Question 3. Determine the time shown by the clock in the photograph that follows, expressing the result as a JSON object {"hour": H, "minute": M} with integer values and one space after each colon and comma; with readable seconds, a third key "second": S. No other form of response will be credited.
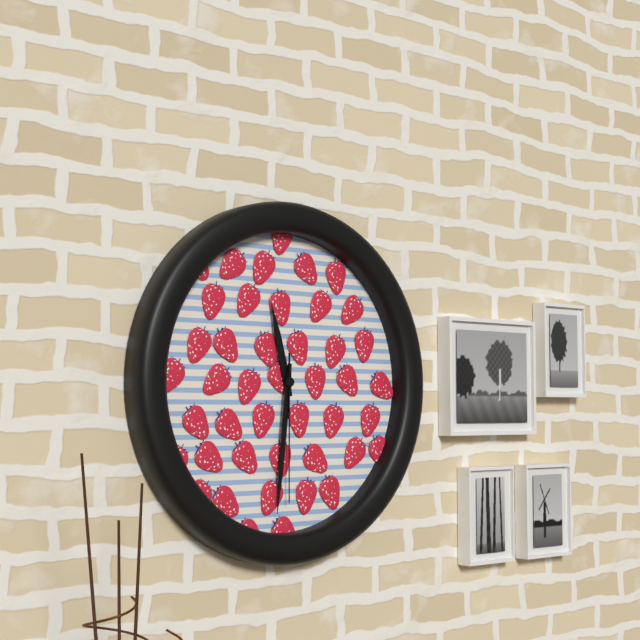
{"hour": 11, "minute": 31, "second": 30}
